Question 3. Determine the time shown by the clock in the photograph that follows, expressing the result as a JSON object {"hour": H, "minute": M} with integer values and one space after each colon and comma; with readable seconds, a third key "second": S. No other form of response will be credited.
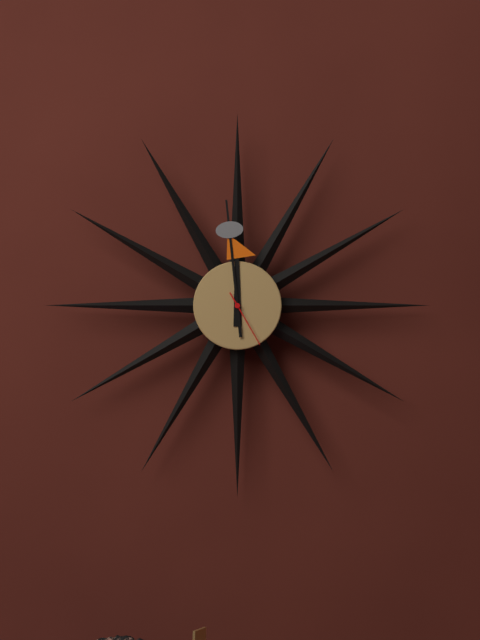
{"hour": 11, "minute": 59, "second": 25}
